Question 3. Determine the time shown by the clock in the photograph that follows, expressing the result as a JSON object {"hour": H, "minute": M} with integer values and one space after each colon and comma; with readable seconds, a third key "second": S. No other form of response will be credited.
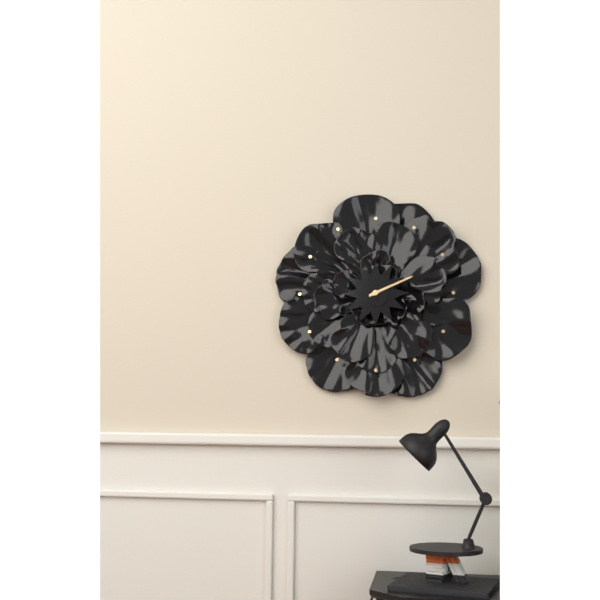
{"hour": 2, "minute": 11}
